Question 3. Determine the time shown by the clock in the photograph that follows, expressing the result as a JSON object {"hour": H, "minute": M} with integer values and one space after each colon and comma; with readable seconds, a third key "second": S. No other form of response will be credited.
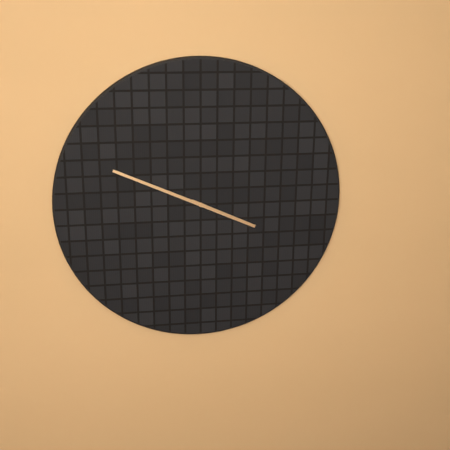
{"hour": 3, "minute": 49}
